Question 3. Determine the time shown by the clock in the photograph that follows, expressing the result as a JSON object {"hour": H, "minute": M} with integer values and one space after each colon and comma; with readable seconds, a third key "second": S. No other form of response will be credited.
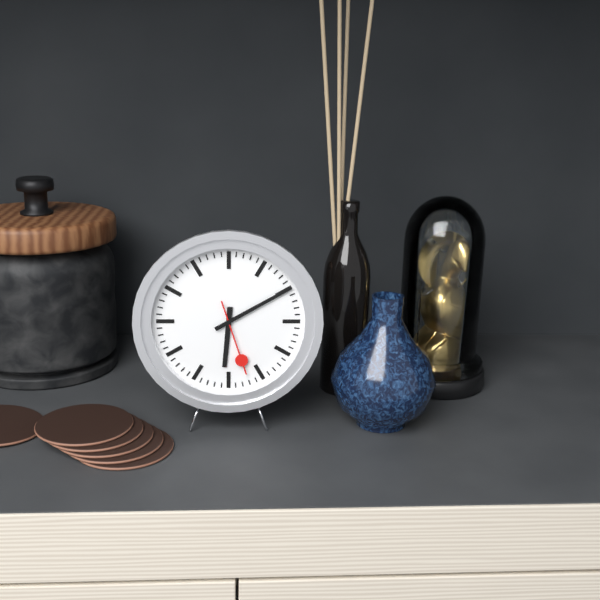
{"hour": 6, "minute": 10, "second": 27}
